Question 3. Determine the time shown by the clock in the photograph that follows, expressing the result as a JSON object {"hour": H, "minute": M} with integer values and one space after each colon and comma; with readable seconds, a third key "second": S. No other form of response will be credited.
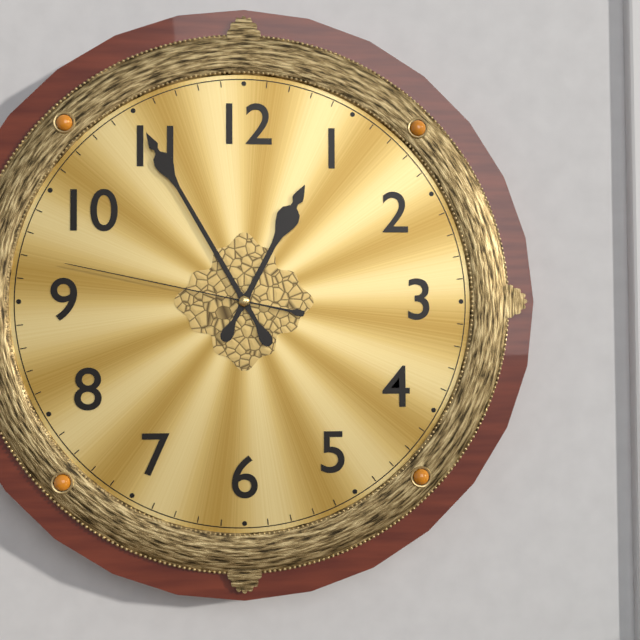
{"hour": 12, "minute": 55, "second": 47}
